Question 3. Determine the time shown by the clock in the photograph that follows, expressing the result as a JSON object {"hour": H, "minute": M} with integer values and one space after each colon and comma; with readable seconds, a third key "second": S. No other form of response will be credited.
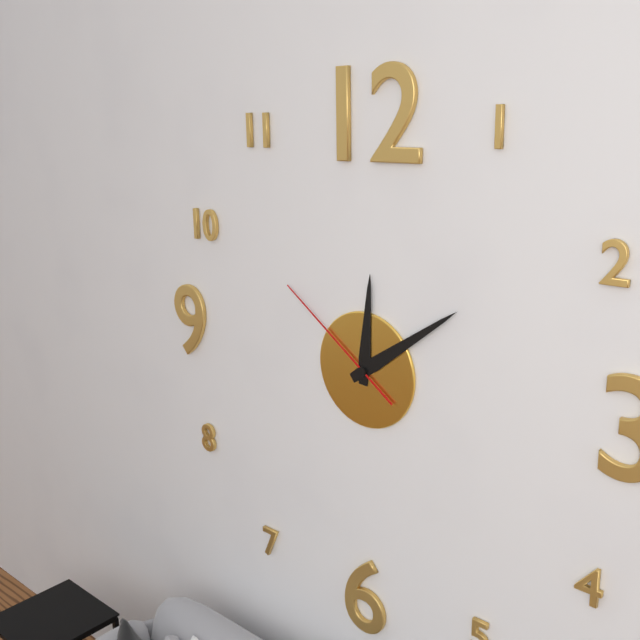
{"hour": 12, "minute": 9, "second": 51}
